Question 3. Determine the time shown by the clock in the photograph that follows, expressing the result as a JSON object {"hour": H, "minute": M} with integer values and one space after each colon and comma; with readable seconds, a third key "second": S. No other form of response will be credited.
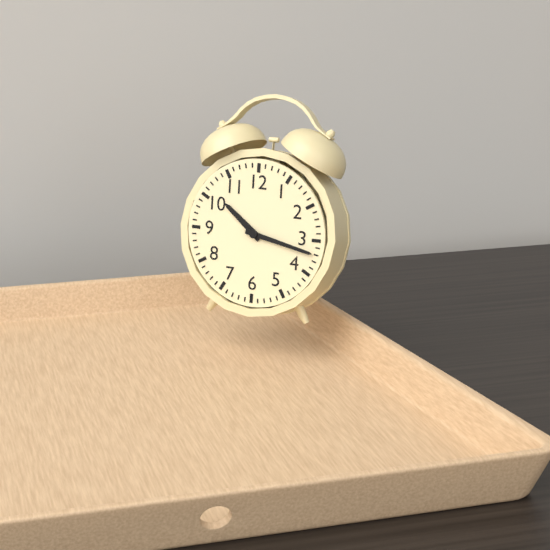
{"hour": 10, "minute": 17}
